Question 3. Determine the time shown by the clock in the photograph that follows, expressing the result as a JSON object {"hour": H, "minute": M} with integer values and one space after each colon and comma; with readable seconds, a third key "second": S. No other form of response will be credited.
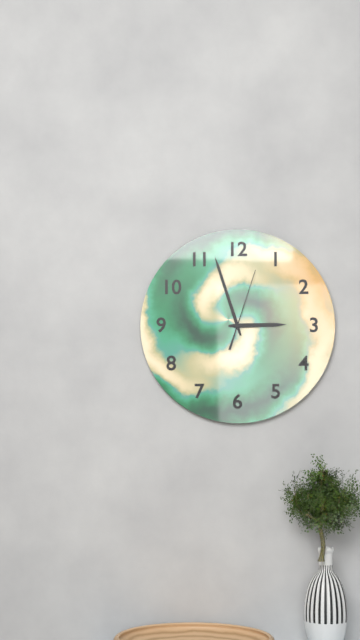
{"hour": 2, "minute": 57, "second": 3}
